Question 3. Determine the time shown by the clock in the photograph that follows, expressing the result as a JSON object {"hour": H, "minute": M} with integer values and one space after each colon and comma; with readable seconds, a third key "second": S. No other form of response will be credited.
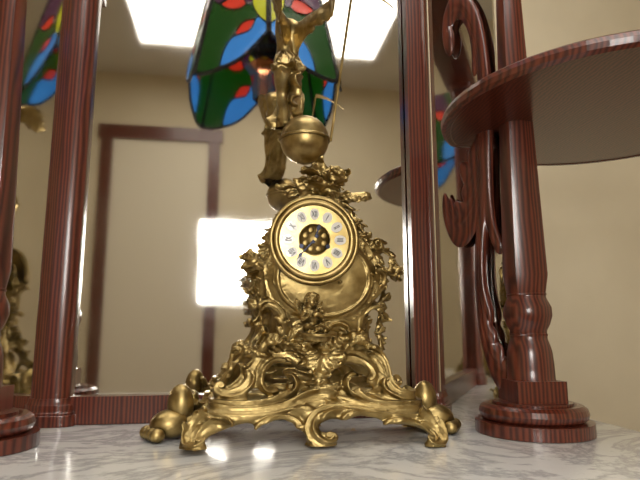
{"hour": 12, "minute": 37}
